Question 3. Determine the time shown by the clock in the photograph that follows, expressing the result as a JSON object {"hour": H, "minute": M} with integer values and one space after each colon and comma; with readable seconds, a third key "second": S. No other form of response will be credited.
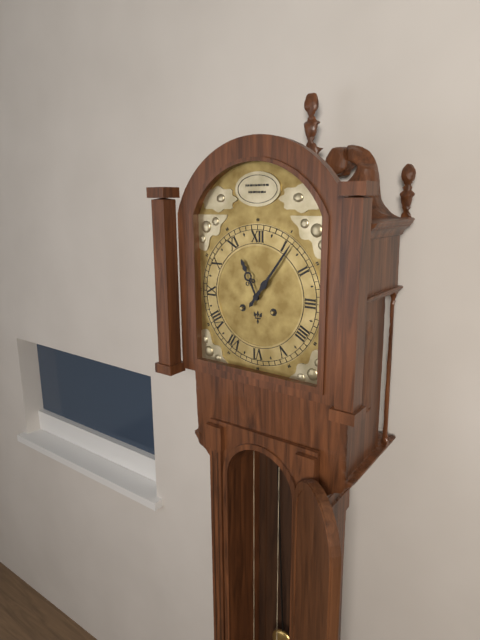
{"hour": 11, "minute": 6}
